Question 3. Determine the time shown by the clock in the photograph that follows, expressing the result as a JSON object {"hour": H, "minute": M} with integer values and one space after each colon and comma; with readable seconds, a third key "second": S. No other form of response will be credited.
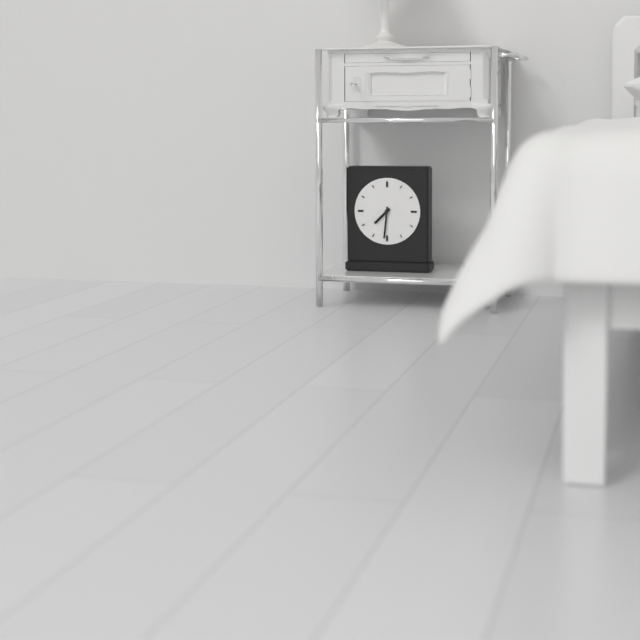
{"hour": 7, "minute": 31}
